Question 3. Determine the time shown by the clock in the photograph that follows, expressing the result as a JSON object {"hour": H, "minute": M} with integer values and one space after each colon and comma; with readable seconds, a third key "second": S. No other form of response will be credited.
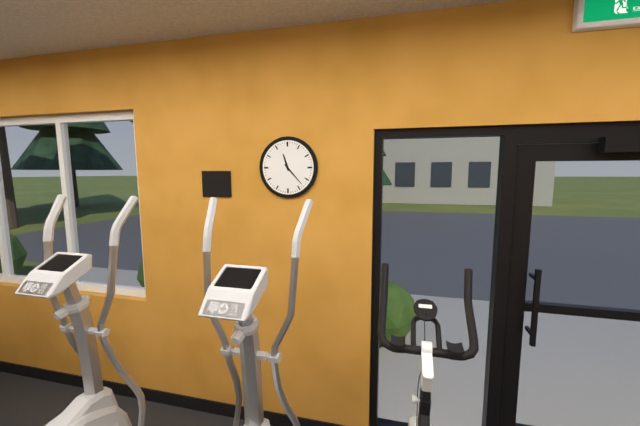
{"hour": 11, "minute": 23}
